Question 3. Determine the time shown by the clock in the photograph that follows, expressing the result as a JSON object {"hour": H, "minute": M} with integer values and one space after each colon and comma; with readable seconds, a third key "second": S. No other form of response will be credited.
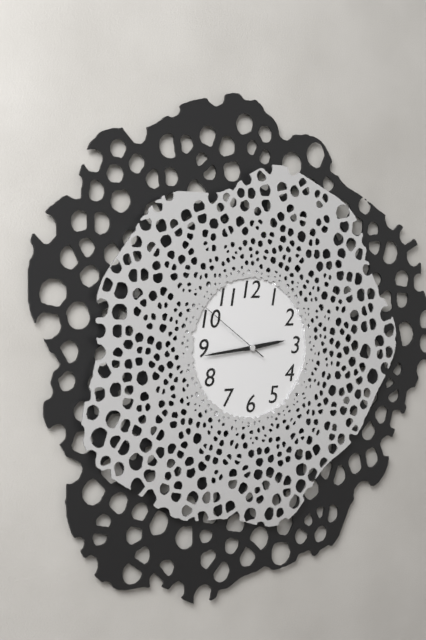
{"hour": 2, "minute": 44, "second": 51}
